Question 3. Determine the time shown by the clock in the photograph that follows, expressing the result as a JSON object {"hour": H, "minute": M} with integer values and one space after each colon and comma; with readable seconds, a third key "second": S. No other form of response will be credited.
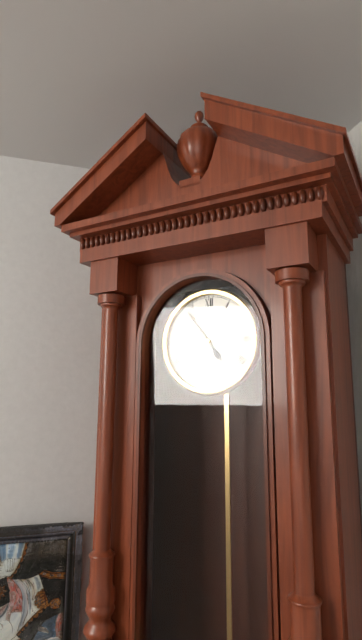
{"hour": 4, "minute": 54}
